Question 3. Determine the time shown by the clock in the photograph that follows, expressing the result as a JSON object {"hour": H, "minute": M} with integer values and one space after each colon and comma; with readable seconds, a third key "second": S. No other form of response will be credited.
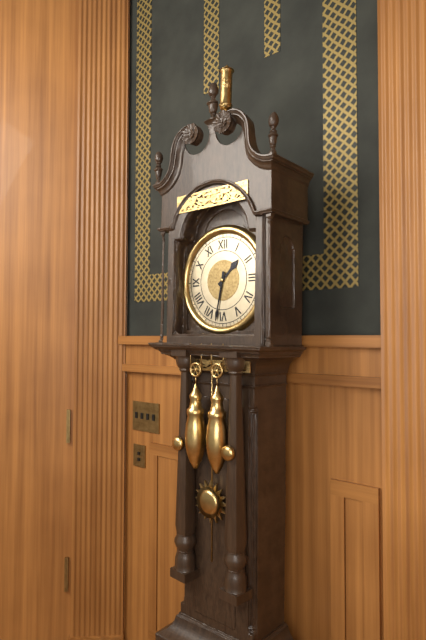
{"hour": 1, "minute": 32}
